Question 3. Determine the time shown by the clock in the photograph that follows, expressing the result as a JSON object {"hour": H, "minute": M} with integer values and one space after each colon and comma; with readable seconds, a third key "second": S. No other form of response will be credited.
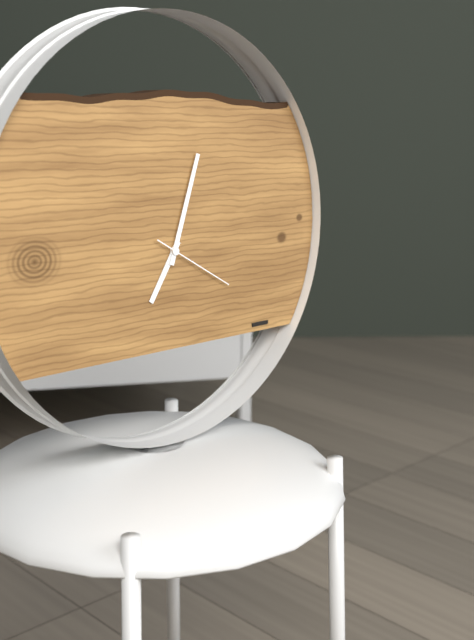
{"hour": 7, "minute": 3, "second": 20}
